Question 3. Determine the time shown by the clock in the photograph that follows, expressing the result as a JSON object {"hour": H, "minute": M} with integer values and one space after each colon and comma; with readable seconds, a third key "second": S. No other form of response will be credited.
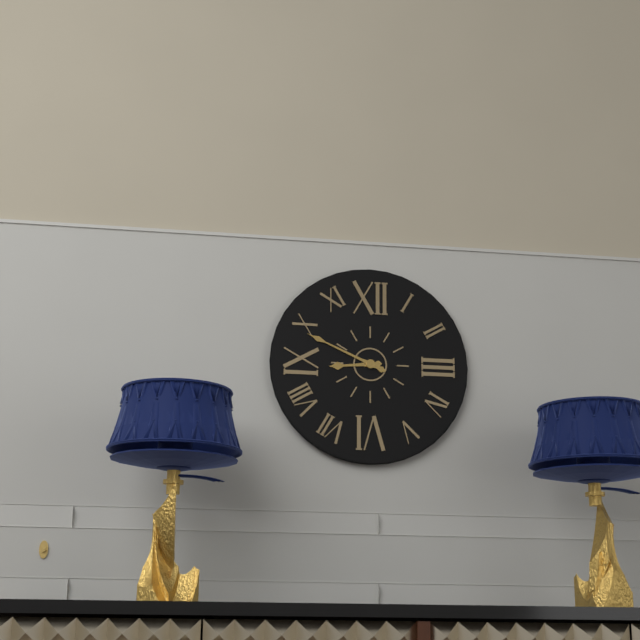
{"hour": 8, "minute": 49}
